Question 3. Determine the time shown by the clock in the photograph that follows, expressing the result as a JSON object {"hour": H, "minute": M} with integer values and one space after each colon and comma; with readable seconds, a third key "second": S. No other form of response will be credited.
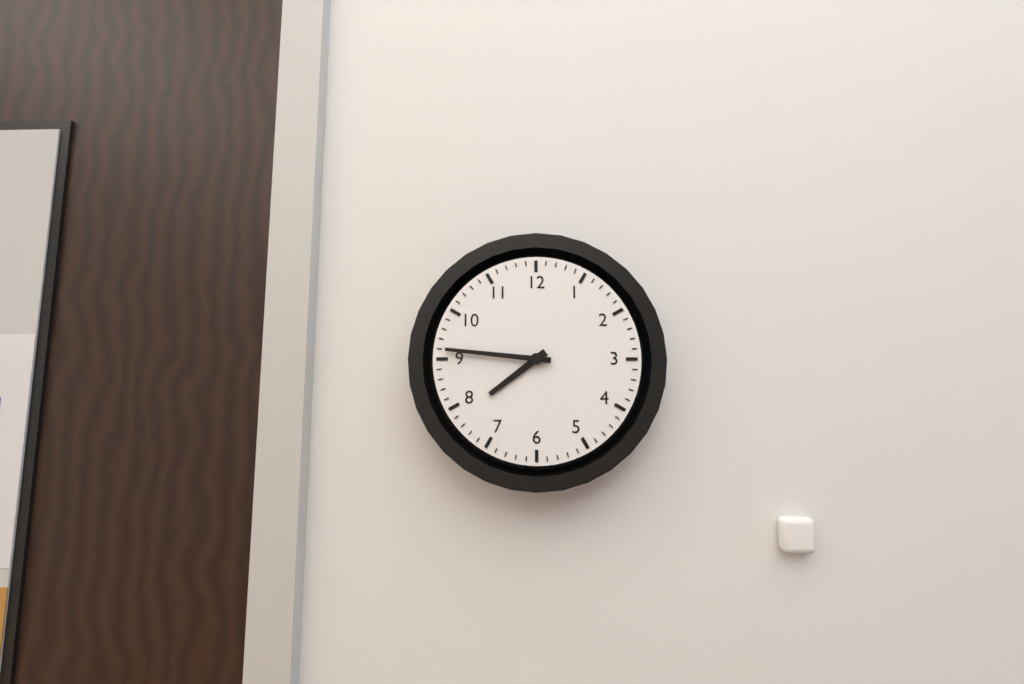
{"hour": 7, "minute": 46}
